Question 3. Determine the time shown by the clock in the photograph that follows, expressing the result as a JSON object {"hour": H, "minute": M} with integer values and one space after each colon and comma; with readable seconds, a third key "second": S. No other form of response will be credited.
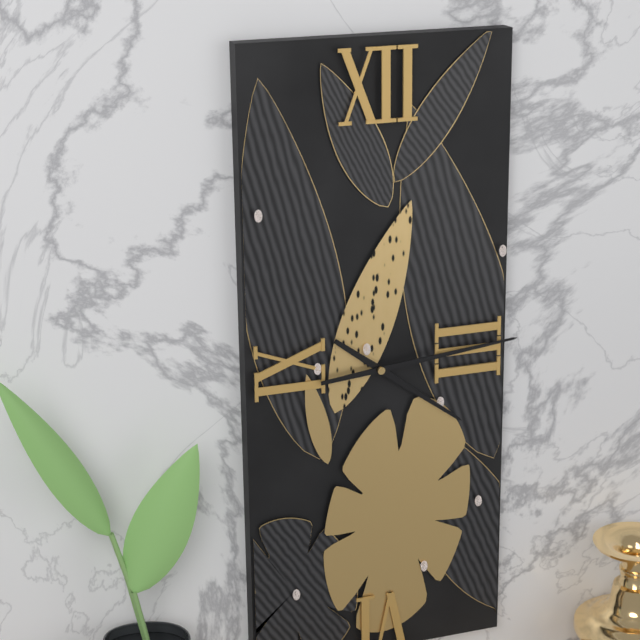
{"hour": 4, "minute": 14}
